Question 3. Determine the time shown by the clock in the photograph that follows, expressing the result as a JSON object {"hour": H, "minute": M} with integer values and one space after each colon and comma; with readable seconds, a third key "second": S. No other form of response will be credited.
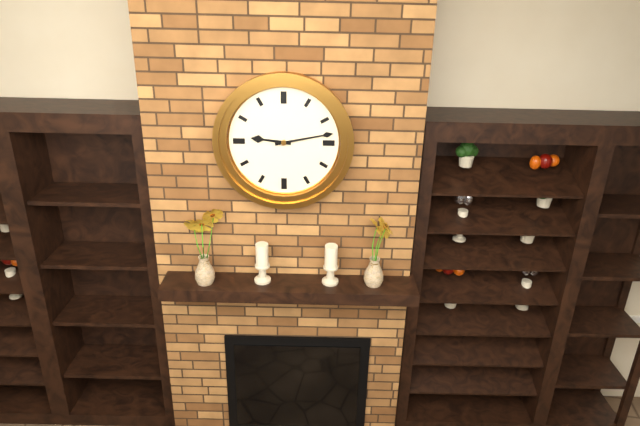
{"hour": 9, "minute": 13}
